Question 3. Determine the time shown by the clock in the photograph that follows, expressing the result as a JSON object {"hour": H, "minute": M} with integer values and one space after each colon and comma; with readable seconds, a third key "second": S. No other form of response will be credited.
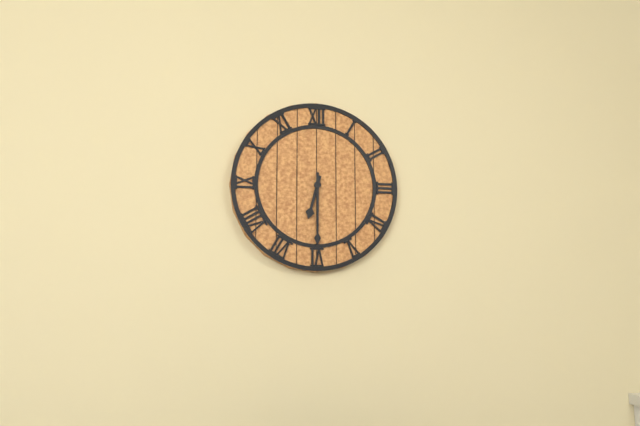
{"hour": 6, "minute": 30}
